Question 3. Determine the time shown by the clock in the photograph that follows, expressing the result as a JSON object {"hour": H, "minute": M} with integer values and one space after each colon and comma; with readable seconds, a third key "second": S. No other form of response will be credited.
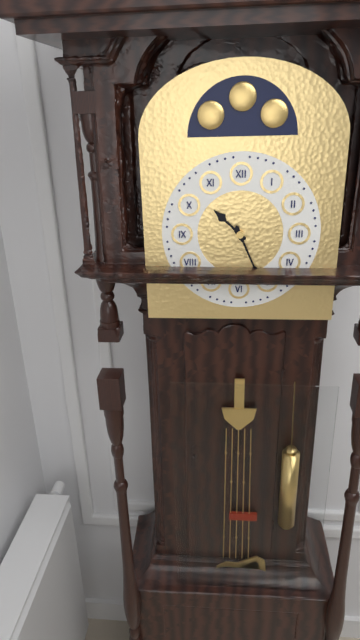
{"hour": 10, "minute": 26}
